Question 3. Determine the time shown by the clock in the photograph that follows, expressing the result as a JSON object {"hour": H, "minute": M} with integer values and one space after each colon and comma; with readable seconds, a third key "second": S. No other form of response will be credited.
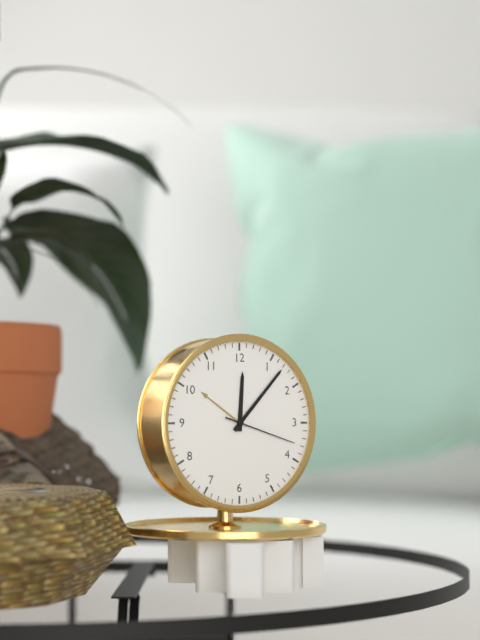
{"hour": 12, "minute": 7, "second": 18}
